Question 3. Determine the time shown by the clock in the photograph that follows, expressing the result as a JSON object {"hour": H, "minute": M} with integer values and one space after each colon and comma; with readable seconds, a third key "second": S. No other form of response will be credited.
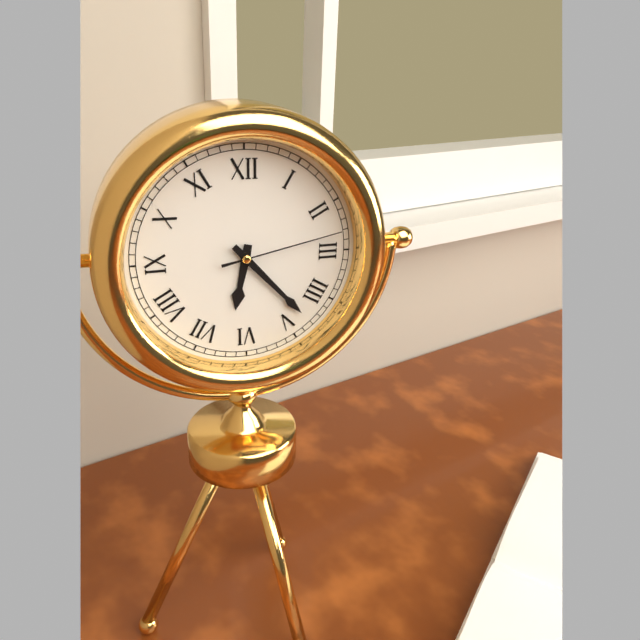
{"hour": 6, "minute": 23, "second": 13}
